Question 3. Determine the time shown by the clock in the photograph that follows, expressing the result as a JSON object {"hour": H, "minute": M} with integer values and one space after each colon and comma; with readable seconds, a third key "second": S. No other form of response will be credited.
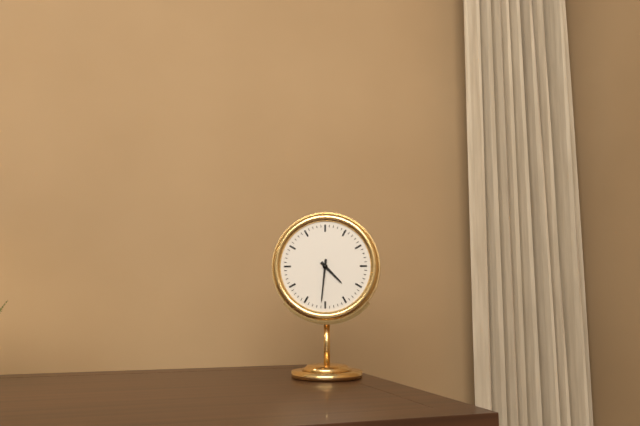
{"hour": 4, "minute": 31}
